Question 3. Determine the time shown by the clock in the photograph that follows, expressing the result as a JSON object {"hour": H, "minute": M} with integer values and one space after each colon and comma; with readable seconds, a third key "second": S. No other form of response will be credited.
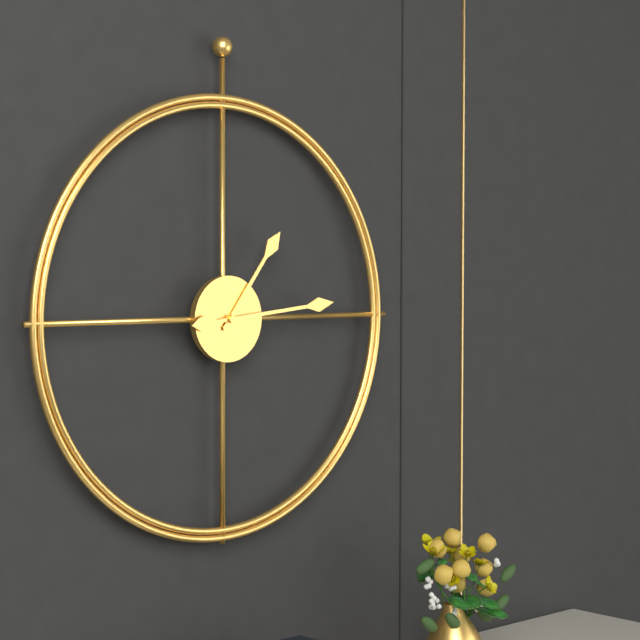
{"hour": 1, "minute": 14}
